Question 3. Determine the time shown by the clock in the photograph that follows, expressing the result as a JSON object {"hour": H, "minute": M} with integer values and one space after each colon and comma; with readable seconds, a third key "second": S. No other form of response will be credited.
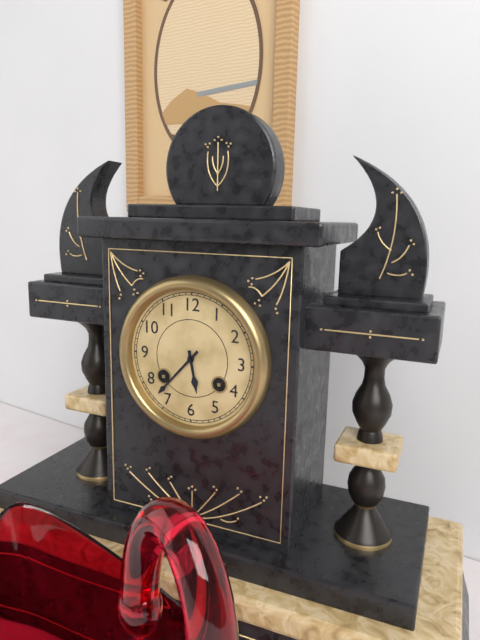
{"hour": 5, "minute": 37}
